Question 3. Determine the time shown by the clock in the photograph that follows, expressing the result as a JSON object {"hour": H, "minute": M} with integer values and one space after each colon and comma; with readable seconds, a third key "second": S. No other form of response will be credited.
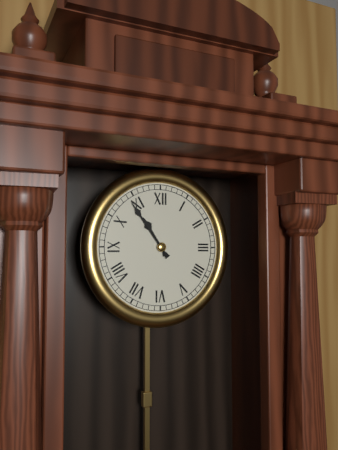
{"hour": 10, "minute": 54}
